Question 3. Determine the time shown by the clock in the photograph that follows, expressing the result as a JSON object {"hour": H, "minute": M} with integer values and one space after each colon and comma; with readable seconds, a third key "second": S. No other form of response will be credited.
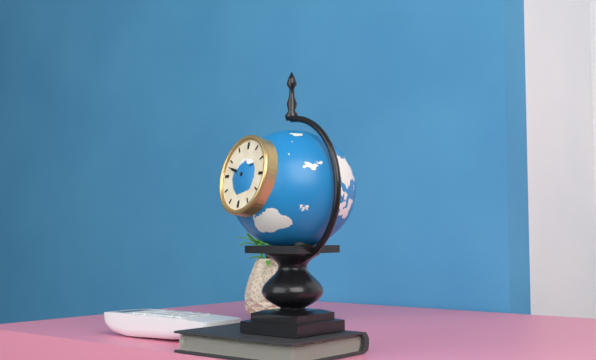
{"hour": 1, "minute": 48}
